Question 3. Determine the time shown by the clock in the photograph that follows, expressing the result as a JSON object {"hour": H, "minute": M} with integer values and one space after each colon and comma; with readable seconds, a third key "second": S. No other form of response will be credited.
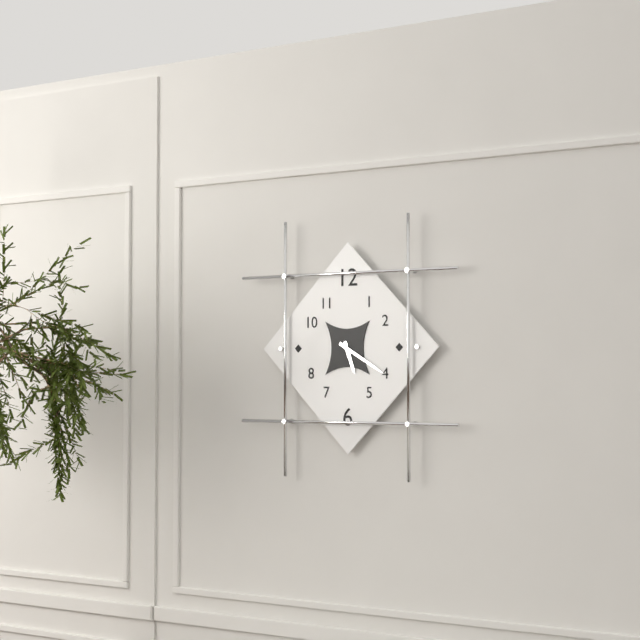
{"hour": 5, "minute": 20}
